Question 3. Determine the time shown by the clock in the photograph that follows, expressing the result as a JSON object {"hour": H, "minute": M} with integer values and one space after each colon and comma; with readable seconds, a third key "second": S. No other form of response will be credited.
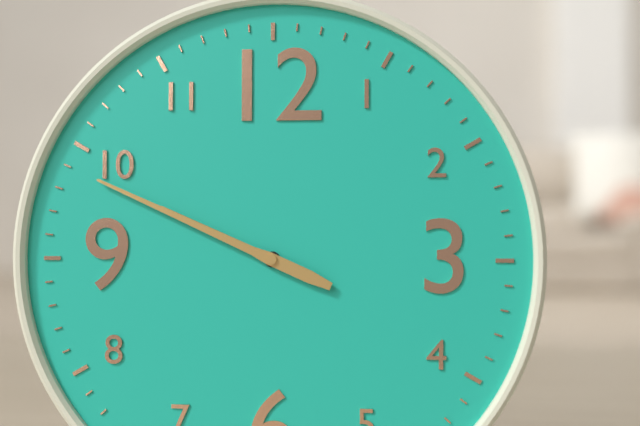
{"hour": 9, "minute": 49}
